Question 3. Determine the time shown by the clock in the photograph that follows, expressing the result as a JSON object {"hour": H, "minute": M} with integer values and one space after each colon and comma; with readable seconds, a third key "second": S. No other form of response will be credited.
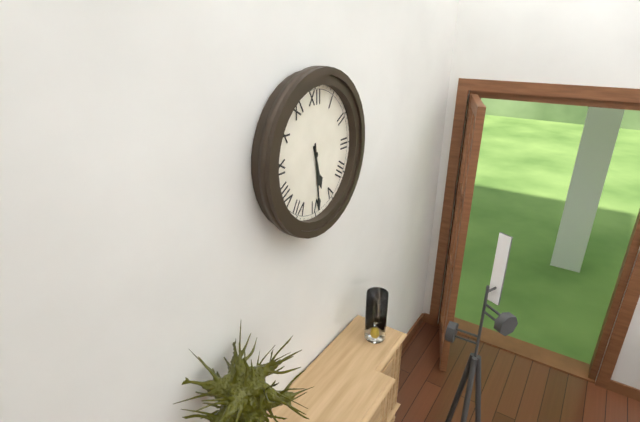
{"hour": 5, "minute": 29}
